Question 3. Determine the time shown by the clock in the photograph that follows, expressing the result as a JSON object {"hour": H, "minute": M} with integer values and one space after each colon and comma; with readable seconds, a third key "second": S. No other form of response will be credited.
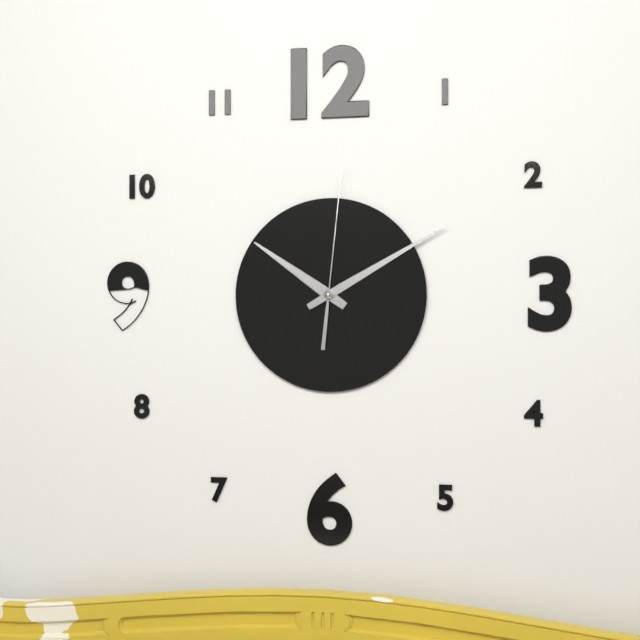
{"hour": 10, "minute": 10, "second": 1}
